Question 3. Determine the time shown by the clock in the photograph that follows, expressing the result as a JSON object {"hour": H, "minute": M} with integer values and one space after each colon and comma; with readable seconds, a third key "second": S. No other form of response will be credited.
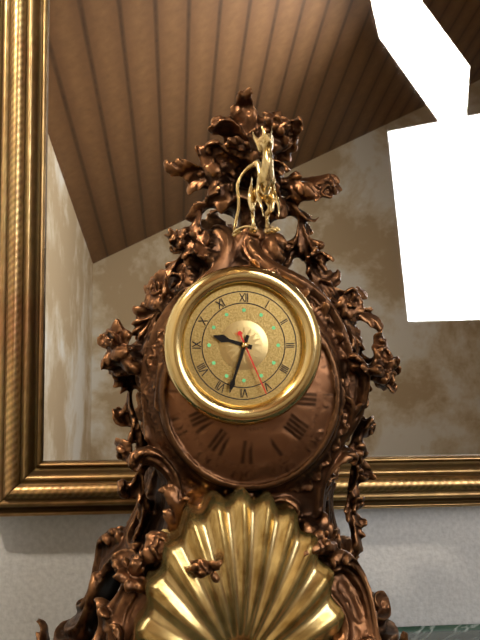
{"hour": 9, "minute": 33, "second": 26}
